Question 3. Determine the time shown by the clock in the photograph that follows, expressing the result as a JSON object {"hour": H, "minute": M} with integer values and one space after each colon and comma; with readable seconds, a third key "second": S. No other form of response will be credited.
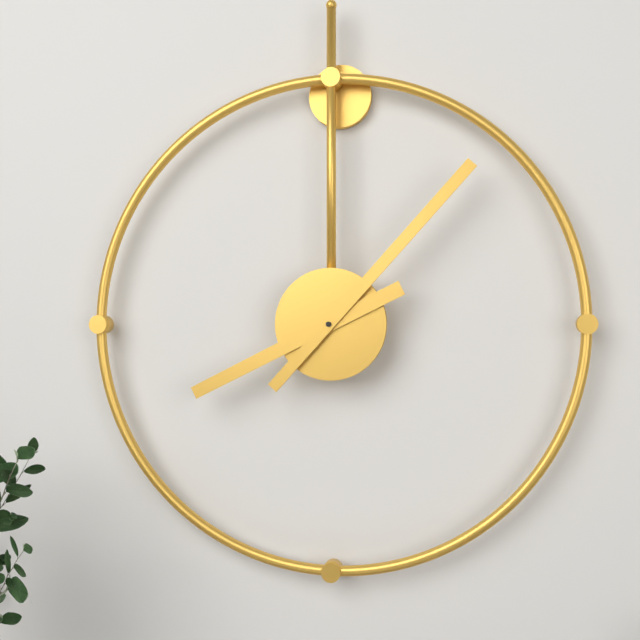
{"hour": 8, "minute": 7}
